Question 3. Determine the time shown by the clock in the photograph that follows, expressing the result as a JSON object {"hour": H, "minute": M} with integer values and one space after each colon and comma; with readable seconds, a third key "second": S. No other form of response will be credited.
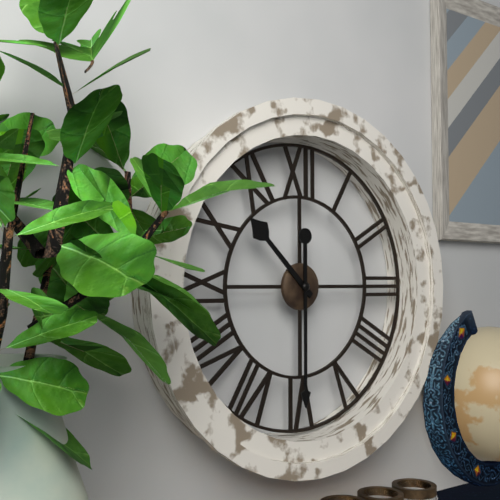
{"hour": 10, "minute": 30}
